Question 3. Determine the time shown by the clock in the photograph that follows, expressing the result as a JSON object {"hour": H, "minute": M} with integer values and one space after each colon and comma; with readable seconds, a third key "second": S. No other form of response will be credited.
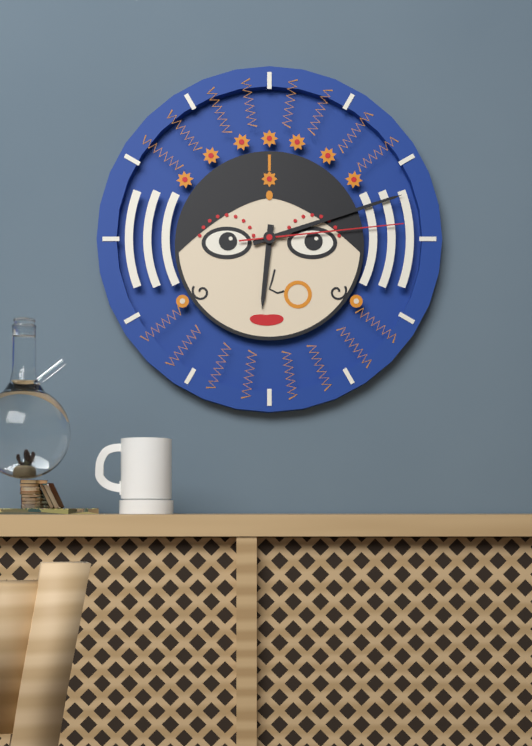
{"hour": 6, "minute": 12, "second": 14}
